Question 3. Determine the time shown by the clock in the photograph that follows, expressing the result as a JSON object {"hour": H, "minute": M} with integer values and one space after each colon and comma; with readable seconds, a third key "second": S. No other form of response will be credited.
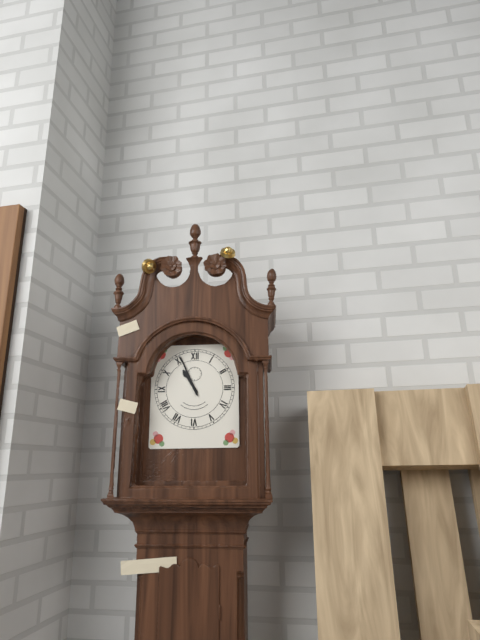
{"hour": 10, "minute": 56}
